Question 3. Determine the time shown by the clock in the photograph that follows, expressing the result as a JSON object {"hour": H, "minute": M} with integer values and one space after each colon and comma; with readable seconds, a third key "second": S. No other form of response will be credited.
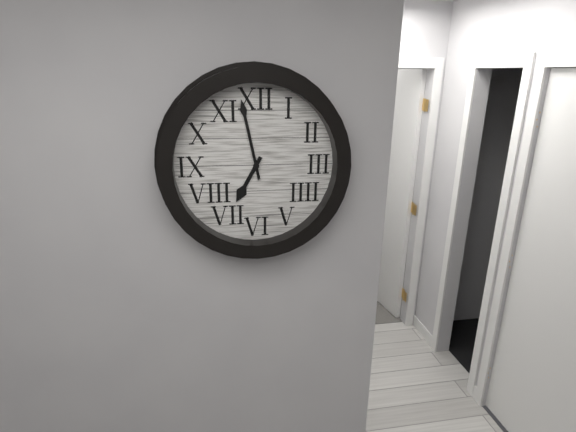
{"hour": 6, "minute": 58}
